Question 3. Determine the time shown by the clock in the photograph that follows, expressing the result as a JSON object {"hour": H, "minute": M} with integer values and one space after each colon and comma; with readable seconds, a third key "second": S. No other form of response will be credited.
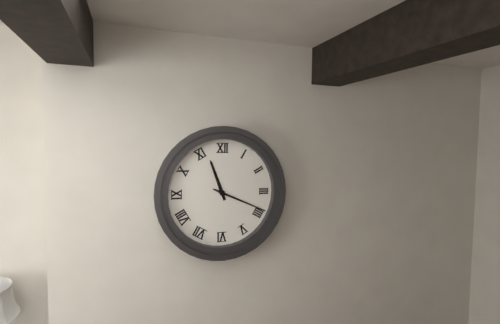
{"hour": 11, "minute": 19}
